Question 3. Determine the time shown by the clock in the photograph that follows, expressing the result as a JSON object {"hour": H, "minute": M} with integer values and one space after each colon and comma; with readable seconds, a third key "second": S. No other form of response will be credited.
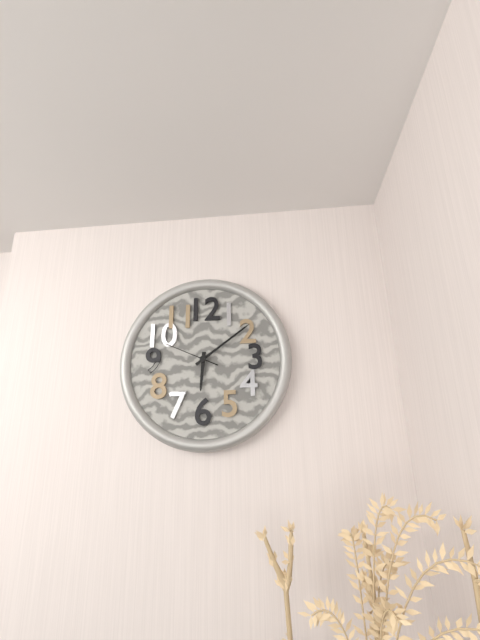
{"hour": 6, "minute": 9, "second": 49}
